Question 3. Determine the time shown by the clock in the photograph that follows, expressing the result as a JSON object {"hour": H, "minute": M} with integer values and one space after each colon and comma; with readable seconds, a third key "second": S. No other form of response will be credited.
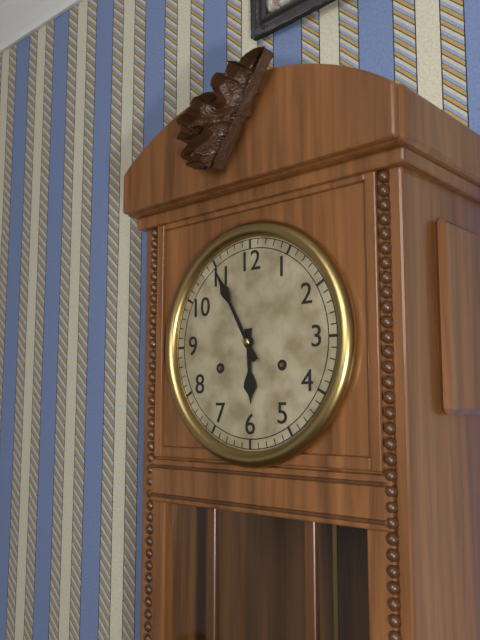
{"hour": 5, "minute": 55}
